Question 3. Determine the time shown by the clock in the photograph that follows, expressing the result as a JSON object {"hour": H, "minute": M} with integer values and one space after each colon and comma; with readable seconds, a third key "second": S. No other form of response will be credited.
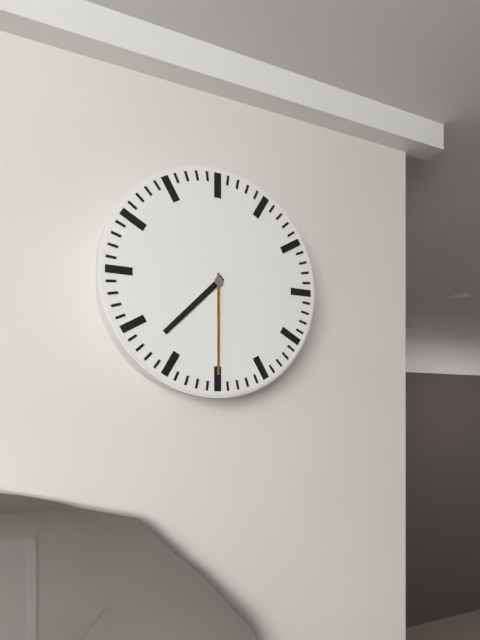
{"hour": 7, "minute": 30}
